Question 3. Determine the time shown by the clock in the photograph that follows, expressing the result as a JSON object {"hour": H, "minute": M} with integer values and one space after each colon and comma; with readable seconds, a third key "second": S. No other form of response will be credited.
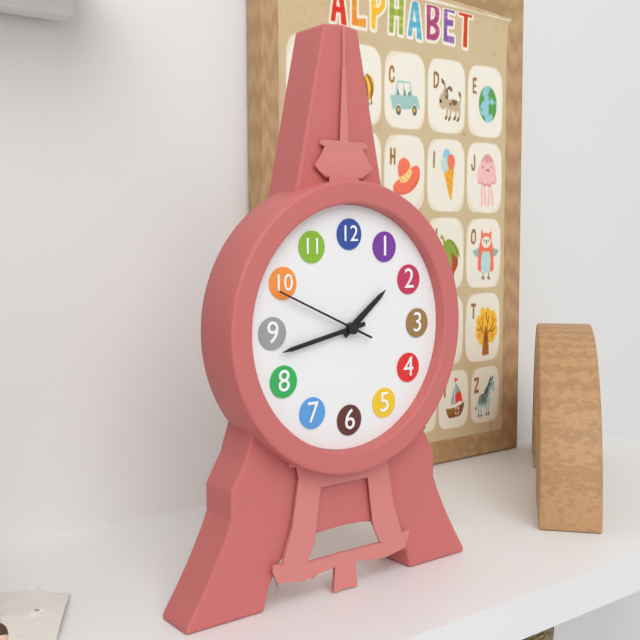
{"hour": 1, "minute": 43, "second": 49}
